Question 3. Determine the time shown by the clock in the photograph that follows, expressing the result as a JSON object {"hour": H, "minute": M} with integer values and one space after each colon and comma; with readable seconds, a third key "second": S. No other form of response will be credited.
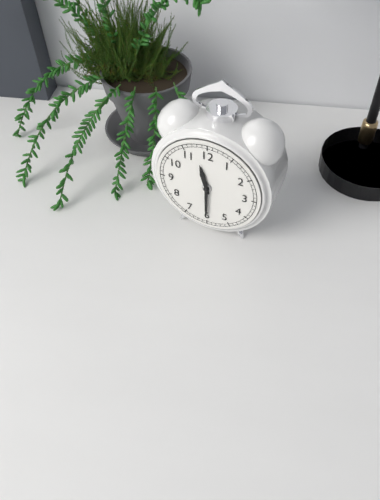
{"hour": 11, "minute": 30}
